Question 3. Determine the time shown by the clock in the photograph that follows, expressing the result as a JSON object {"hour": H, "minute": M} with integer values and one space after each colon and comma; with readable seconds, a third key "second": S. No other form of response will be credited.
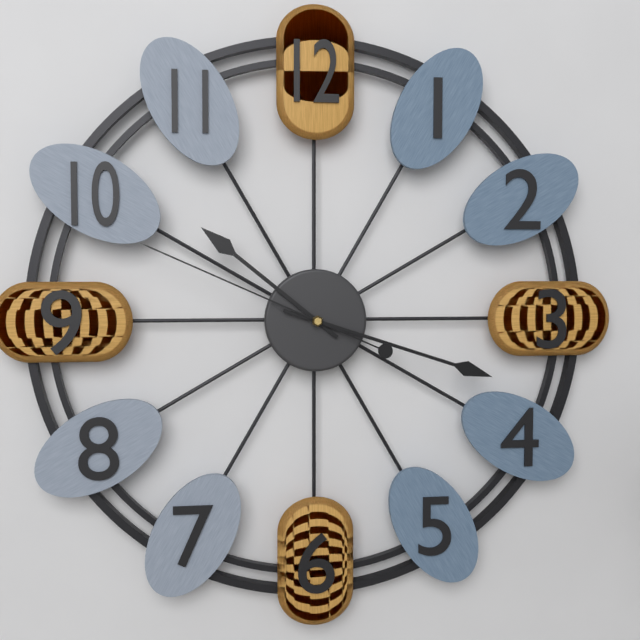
{"hour": 10, "minute": 18, "second": 49}
